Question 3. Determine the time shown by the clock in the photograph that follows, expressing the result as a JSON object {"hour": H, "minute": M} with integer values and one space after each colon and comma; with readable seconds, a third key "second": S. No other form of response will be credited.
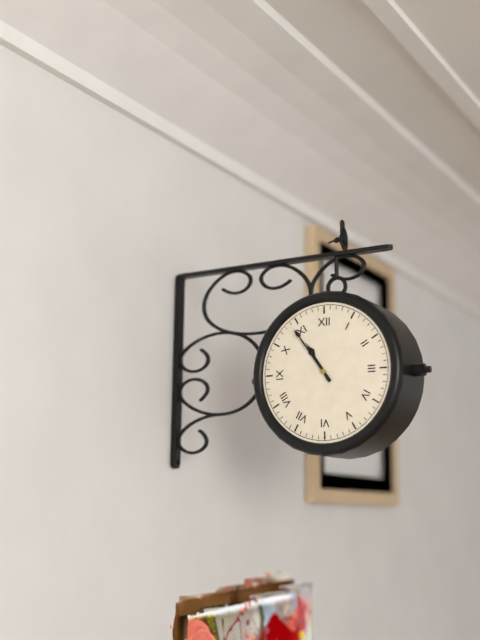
{"hour": 10, "minute": 54}
